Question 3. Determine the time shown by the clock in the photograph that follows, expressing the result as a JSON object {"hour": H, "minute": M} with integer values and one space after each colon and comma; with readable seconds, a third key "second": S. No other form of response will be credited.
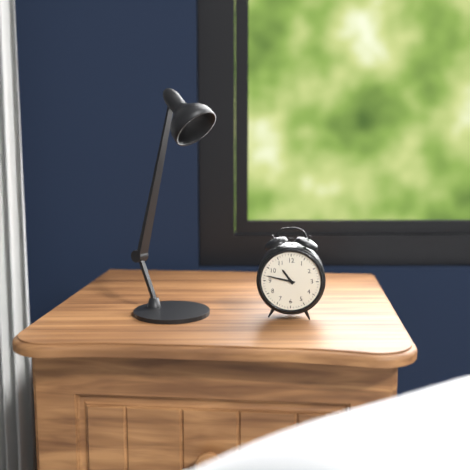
{"hour": 10, "minute": 47}
